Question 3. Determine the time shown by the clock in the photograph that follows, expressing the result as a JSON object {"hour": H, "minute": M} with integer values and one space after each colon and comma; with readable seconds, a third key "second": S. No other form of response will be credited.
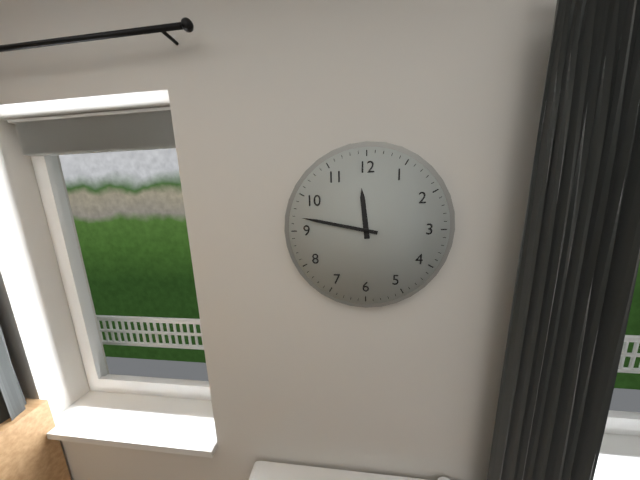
{"hour": 11, "minute": 47}
